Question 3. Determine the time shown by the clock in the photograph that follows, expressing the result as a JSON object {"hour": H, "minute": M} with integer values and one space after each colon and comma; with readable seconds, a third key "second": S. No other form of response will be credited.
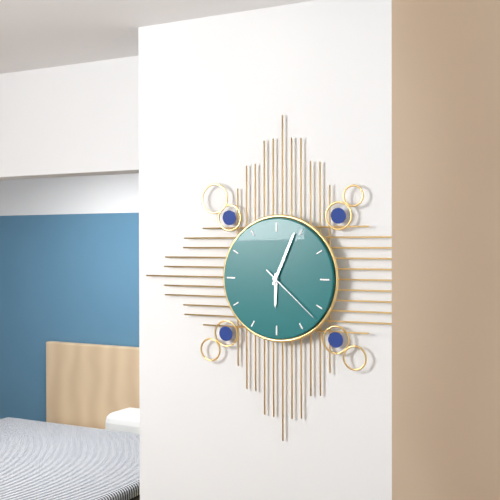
{"hour": 6, "minute": 4, "second": 22}
